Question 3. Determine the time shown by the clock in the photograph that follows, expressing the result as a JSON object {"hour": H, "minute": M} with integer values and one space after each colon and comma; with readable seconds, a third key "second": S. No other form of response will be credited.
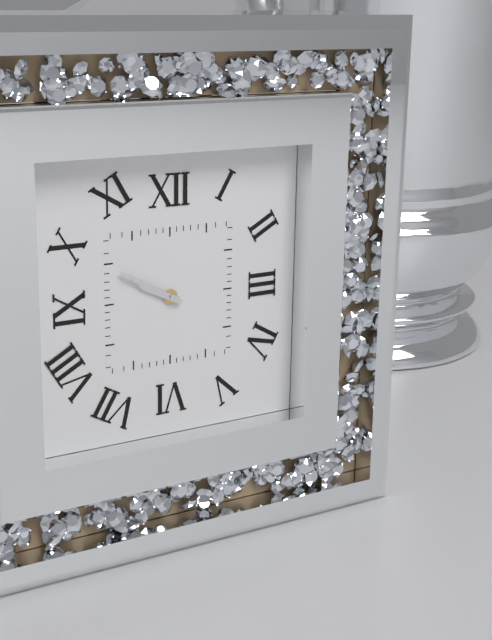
{"hour": 9, "minute": 50}
